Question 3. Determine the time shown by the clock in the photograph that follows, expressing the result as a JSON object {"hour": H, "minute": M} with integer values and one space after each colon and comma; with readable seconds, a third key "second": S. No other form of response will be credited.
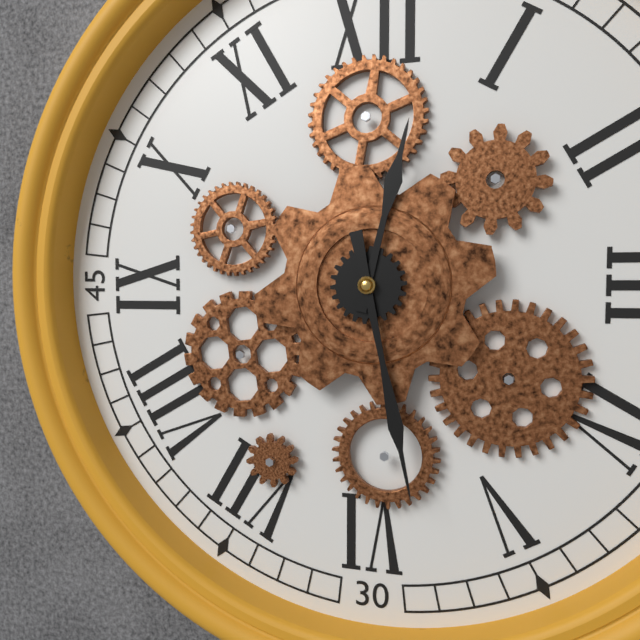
{"hour": 12, "minute": 28}
